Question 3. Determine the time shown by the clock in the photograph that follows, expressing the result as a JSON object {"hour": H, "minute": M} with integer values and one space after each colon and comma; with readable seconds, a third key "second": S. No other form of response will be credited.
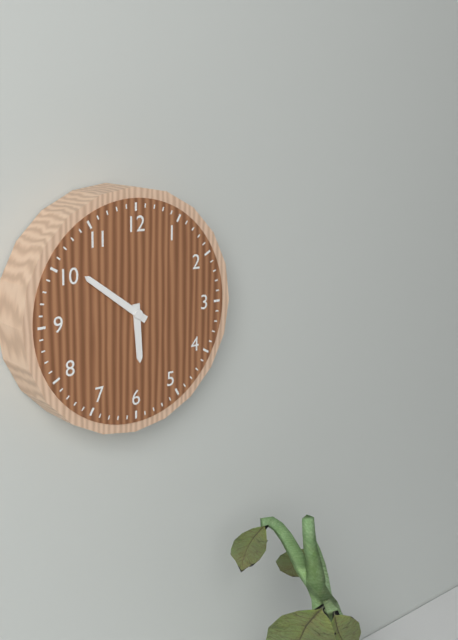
{"hour": 5, "minute": 51}
